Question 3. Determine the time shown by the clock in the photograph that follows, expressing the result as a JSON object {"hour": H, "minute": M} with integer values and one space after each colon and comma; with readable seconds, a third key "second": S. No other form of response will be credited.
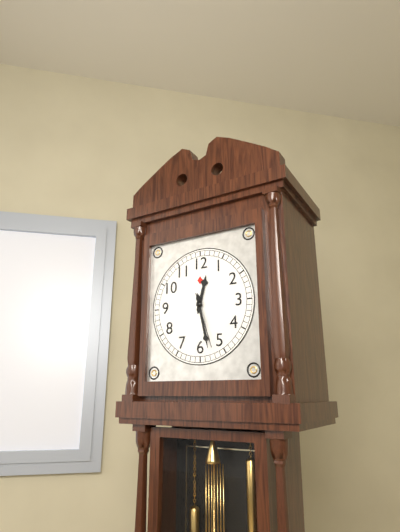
{"hour": 12, "minute": 28, "second": 27}
